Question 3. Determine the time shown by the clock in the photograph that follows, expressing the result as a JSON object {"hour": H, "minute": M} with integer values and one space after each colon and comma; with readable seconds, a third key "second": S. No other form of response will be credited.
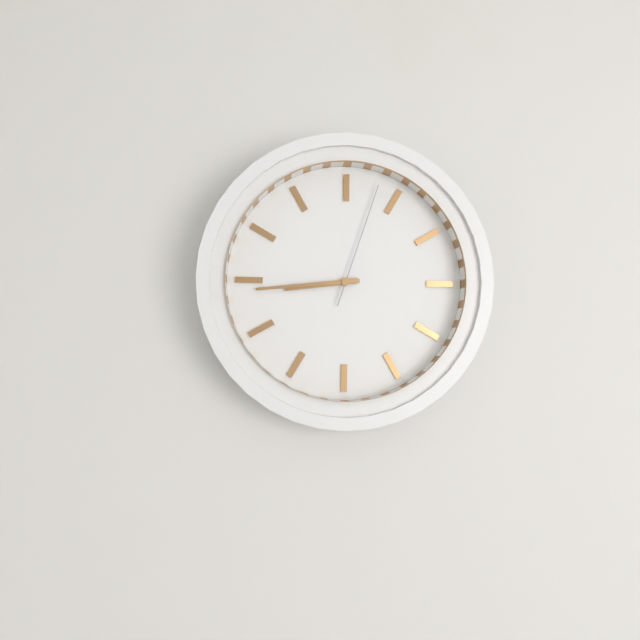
{"hour": 8, "minute": 44, "second": 3}
